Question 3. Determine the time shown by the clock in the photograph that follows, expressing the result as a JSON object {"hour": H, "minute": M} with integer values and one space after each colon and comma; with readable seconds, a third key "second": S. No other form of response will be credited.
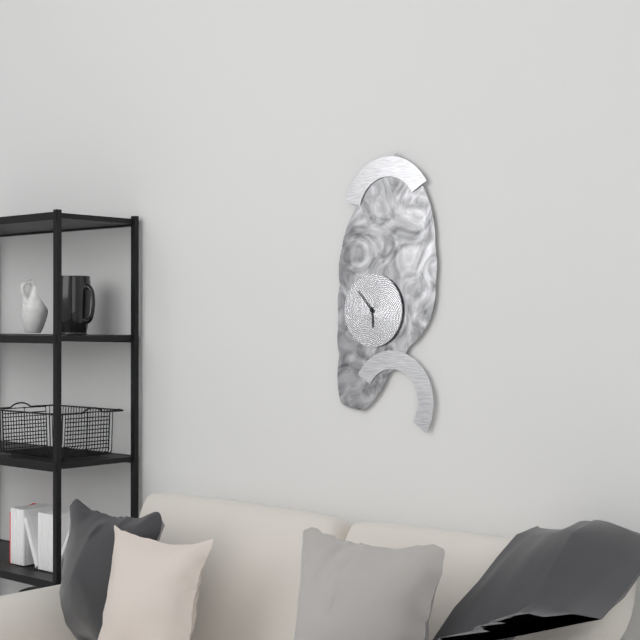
{"hour": 5, "minute": 53}
